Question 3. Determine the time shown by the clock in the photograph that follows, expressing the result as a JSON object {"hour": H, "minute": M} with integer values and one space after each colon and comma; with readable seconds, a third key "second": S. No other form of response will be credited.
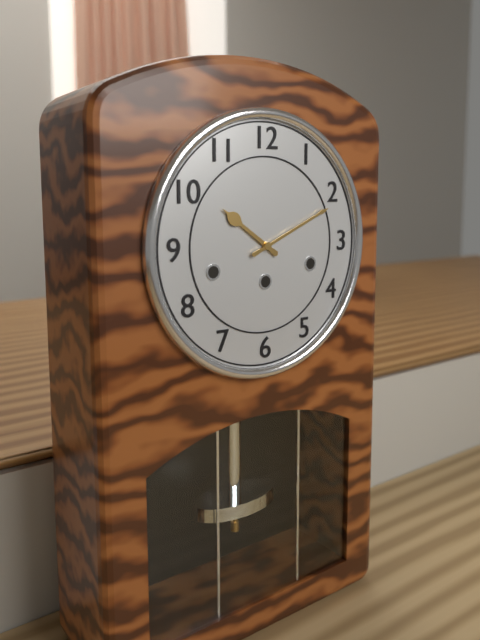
{"hour": 10, "minute": 11}
